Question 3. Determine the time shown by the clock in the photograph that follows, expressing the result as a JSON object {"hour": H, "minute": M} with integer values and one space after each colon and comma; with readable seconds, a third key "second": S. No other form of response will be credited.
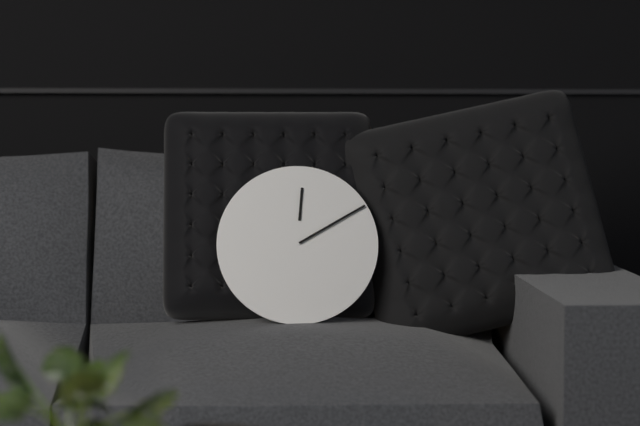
{"hour": 12, "minute": 10}
